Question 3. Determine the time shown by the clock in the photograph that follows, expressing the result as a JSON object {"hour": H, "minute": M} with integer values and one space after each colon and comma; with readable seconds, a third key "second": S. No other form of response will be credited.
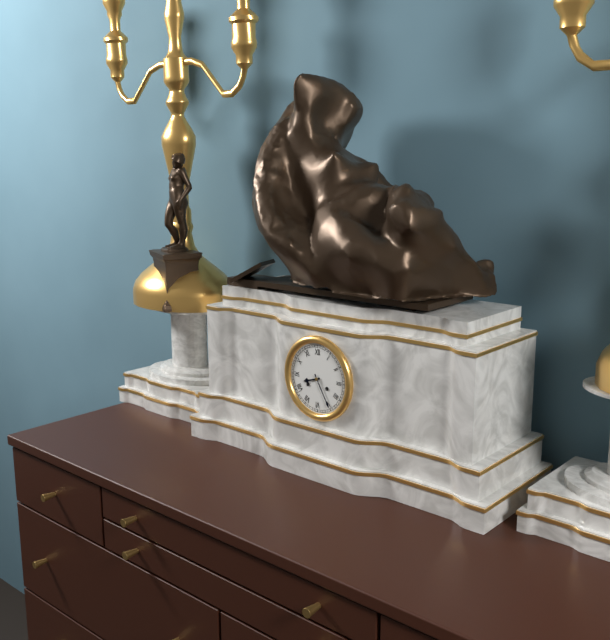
{"hour": 8, "minute": 25}
